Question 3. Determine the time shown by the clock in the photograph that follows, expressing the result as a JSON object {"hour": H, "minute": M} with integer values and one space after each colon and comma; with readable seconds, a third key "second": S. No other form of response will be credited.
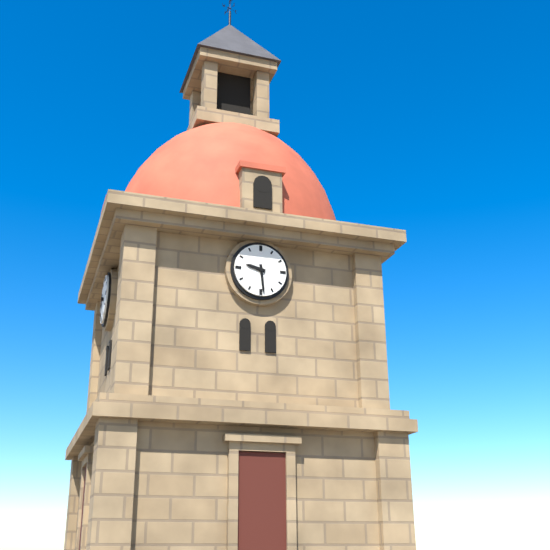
{"hour": 9, "minute": 29}
